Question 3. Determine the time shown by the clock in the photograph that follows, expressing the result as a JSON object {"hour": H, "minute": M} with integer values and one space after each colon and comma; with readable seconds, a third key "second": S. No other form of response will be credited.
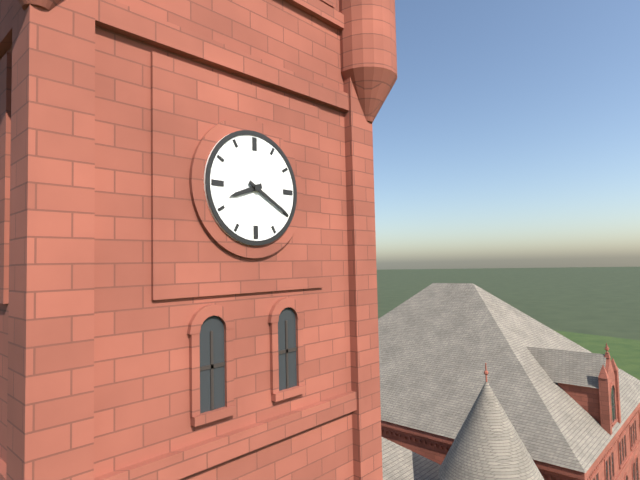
{"hour": 8, "minute": 20}
